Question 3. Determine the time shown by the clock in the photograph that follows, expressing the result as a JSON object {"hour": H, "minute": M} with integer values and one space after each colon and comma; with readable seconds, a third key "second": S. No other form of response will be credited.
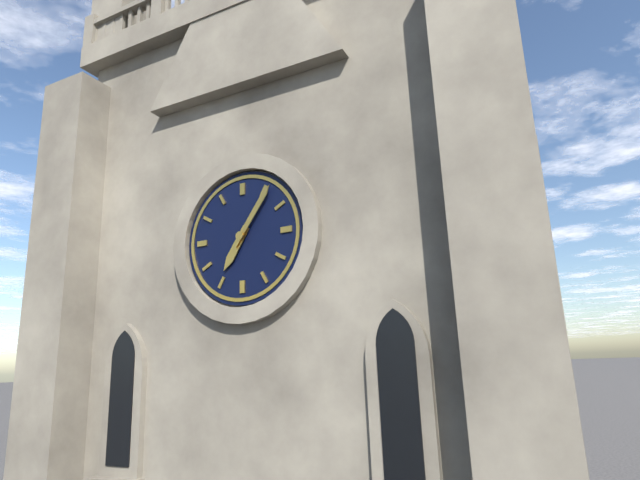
{"hour": 7, "minute": 6}
